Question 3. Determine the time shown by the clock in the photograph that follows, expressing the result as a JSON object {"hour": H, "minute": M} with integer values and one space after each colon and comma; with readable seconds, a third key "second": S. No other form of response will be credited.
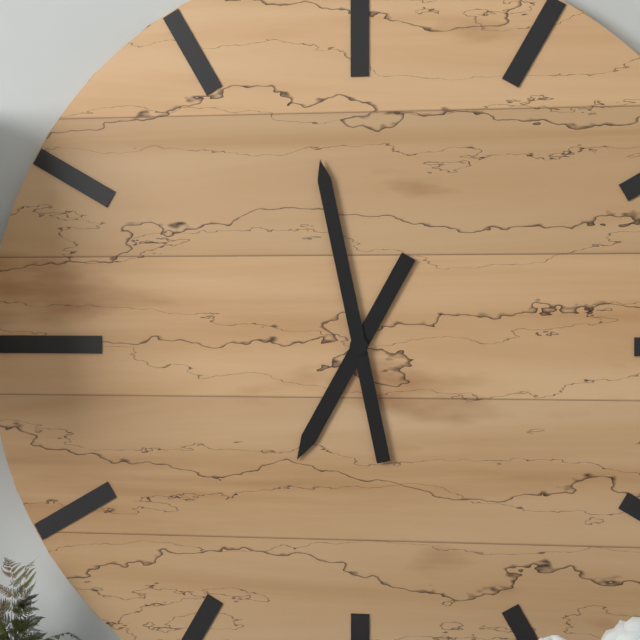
{"hour": 6, "minute": 58}
